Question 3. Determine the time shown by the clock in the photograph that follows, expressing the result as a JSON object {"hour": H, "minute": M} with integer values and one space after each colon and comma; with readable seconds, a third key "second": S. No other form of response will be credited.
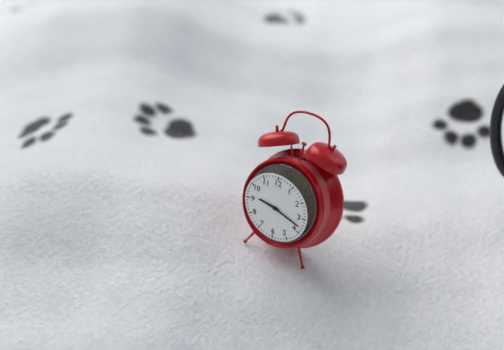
{"hour": 9, "minute": 18}
